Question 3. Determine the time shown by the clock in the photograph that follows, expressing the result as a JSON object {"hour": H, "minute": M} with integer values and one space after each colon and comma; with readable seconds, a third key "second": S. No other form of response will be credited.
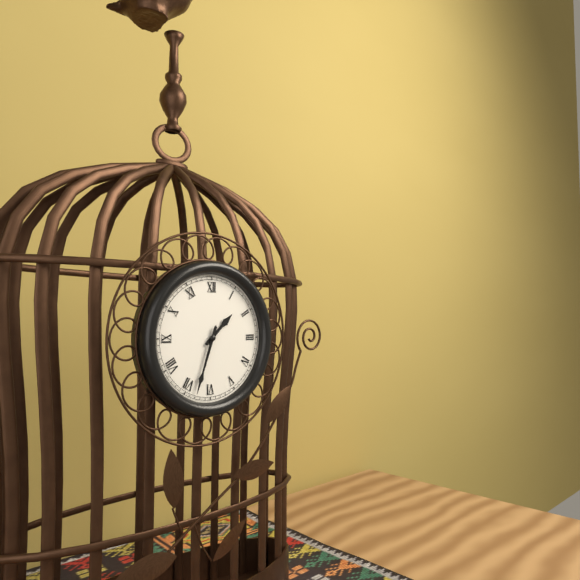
{"hour": 1, "minute": 33}
